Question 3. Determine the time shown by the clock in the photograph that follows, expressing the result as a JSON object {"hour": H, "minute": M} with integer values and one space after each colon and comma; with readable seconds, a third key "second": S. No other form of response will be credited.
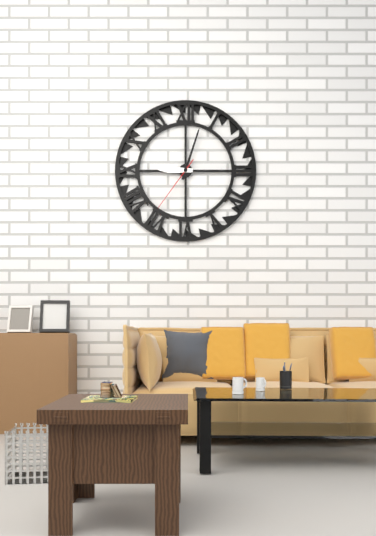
{"hour": 9, "minute": 3, "second": 36}
